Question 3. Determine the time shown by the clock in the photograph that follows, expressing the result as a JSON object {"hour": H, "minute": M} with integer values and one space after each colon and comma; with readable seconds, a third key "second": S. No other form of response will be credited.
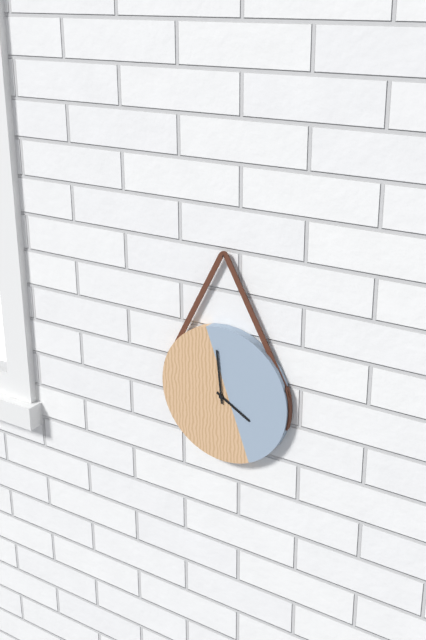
{"hour": 3, "minute": 59}
